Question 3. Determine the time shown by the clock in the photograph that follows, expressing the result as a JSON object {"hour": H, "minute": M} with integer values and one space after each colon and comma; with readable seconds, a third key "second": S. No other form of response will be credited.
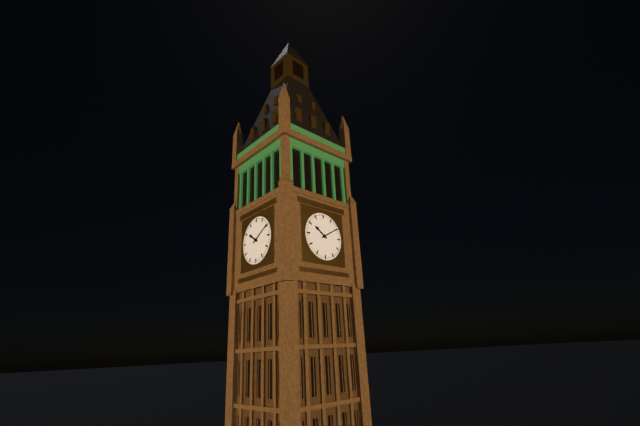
{"hour": 10, "minute": 10}
